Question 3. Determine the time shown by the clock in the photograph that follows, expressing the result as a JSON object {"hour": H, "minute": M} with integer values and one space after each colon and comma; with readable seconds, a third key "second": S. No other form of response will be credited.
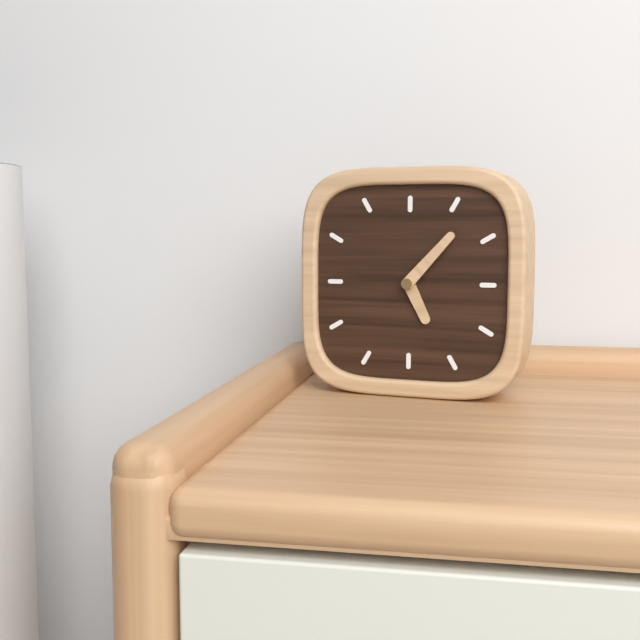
{"hour": 5, "minute": 7}
